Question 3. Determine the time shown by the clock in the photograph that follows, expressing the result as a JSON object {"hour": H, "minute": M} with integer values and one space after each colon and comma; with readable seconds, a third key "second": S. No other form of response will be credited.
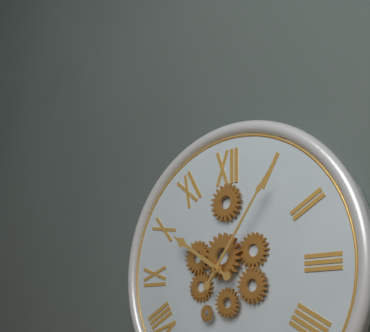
{"hour": 10, "minute": 6}
